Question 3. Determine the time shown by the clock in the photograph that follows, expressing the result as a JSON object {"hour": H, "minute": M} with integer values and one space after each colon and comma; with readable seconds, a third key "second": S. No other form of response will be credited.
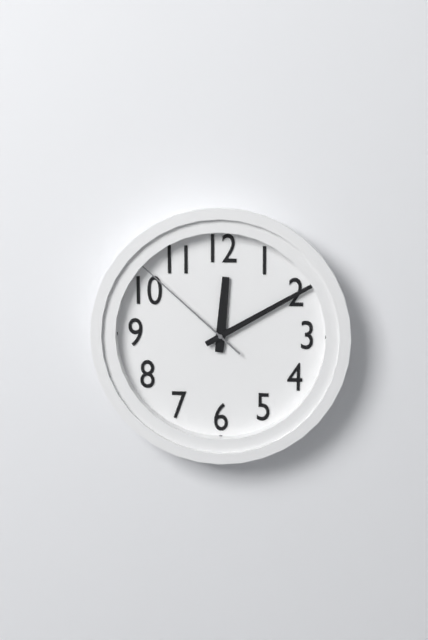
{"hour": 12, "minute": 10, "second": 52}
